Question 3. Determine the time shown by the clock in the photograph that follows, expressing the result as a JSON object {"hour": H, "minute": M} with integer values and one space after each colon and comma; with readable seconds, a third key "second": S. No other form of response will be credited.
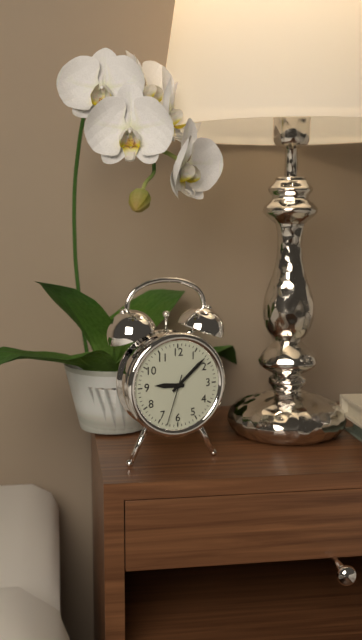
{"hour": 9, "minute": 8, "second": 33}
